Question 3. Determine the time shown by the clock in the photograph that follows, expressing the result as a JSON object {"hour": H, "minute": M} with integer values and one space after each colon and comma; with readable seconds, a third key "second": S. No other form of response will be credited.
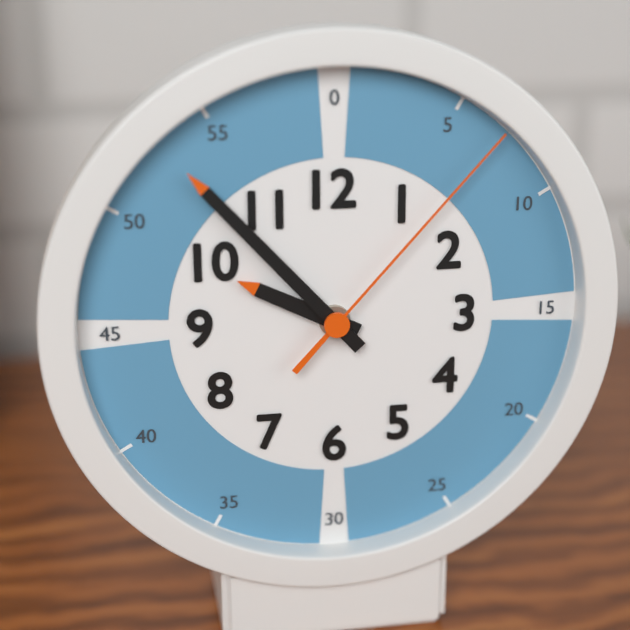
{"hour": 9, "minute": 53, "second": 7}
